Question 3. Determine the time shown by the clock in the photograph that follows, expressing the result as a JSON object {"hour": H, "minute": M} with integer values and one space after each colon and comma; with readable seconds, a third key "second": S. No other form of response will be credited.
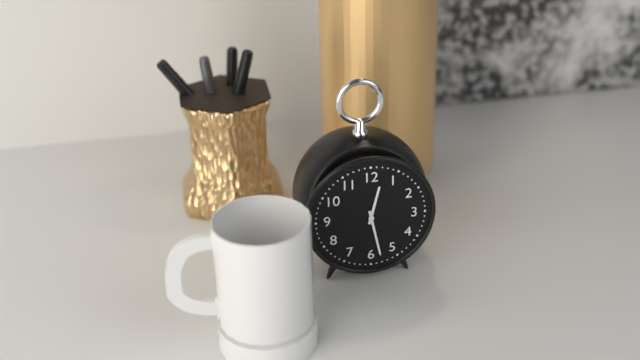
{"hour": 12, "minute": 28}
